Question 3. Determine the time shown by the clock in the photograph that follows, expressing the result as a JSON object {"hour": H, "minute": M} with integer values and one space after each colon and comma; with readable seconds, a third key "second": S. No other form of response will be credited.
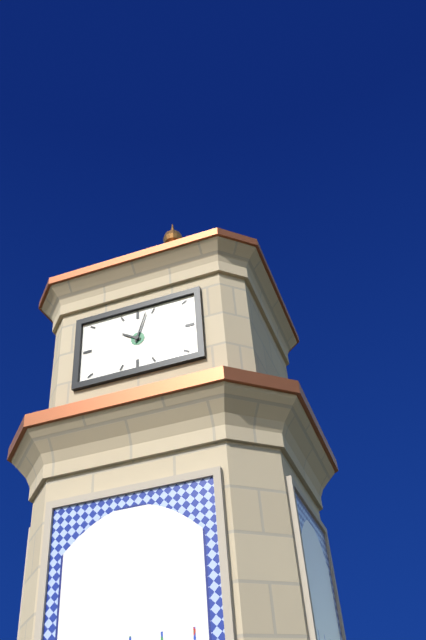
{"hour": 10, "minute": 3}
